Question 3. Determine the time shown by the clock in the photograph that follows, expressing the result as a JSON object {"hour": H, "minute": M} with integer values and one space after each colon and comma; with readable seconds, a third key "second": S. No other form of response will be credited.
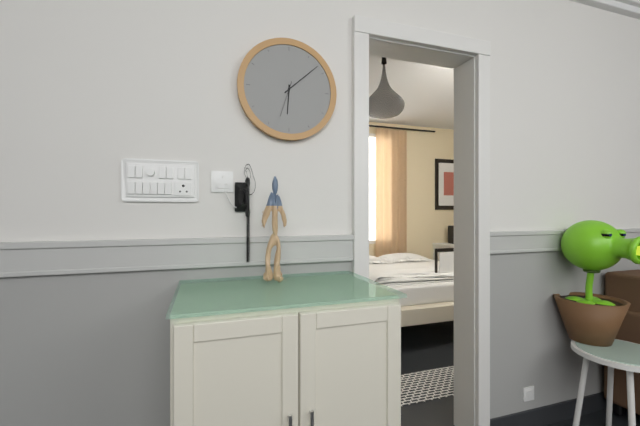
{"hour": 6, "minute": 8}
